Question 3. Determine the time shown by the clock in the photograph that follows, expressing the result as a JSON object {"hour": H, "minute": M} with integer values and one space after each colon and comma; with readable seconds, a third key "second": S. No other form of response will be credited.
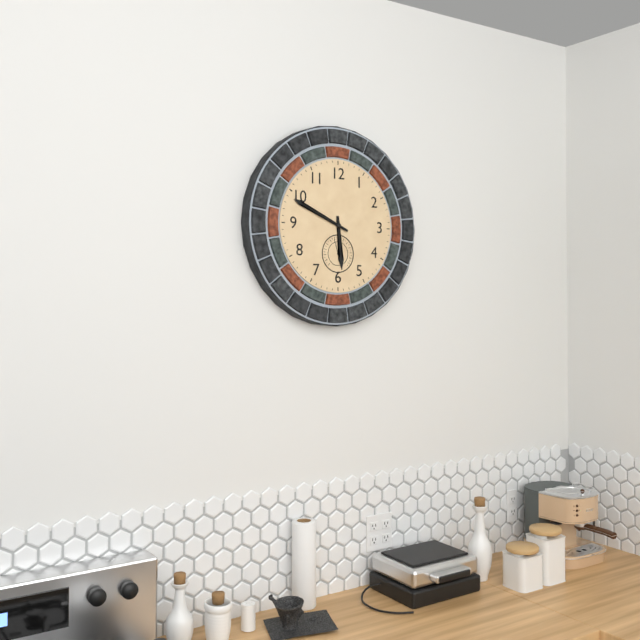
{"hour": 5, "minute": 49}
